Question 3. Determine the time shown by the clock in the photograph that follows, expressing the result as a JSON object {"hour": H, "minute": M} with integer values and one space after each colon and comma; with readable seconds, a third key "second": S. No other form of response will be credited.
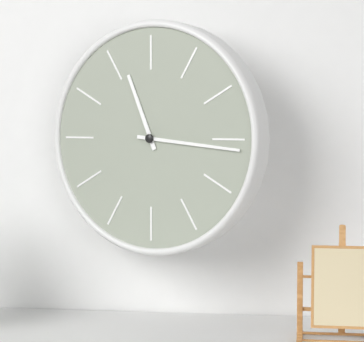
{"hour": 11, "minute": 16}
